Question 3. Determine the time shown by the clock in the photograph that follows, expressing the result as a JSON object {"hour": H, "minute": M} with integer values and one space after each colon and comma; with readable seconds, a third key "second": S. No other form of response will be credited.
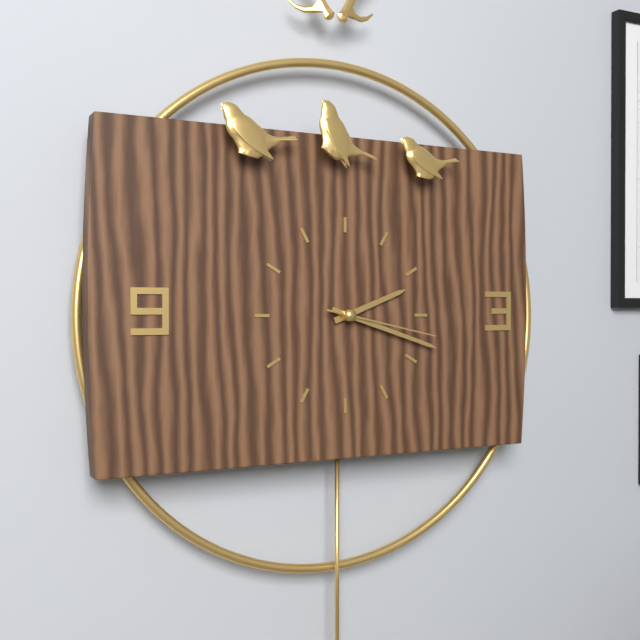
{"hour": 2, "minute": 18, "second": 17}
